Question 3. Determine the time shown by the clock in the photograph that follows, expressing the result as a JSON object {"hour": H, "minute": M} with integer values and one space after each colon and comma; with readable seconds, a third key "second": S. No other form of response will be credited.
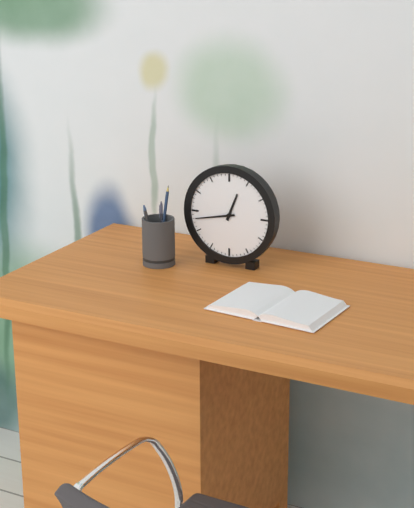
{"hour": 12, "minute": 43}
